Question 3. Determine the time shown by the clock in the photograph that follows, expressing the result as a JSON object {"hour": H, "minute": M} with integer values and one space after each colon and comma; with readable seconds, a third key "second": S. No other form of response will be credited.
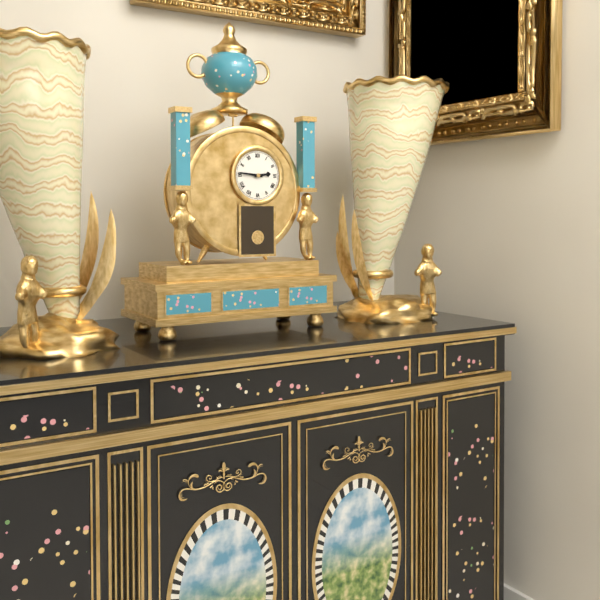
{"hour": 2, "minute": 46}
